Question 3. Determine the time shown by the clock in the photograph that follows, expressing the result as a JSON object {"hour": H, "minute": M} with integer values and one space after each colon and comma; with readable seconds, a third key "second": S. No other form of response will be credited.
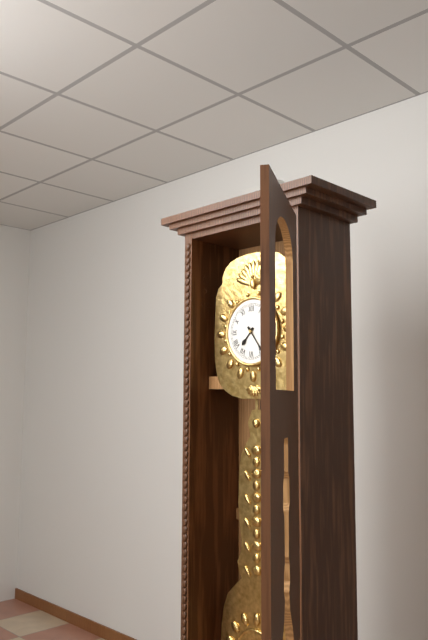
{"hour": 7, "minute": 24}
